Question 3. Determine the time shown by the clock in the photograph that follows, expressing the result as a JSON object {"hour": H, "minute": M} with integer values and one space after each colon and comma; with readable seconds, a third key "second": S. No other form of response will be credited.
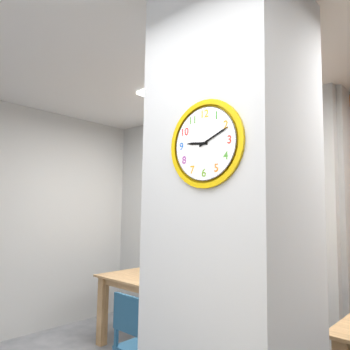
{"hour": 9, "minute": 11}
